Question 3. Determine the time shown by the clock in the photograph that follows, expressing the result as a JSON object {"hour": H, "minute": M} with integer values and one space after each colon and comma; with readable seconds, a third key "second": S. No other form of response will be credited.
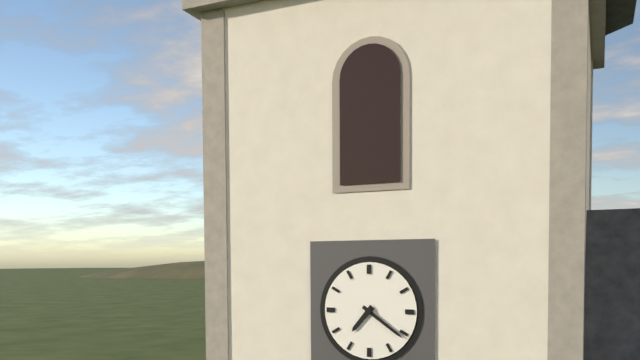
{"hour": 7, "minute": 21}
